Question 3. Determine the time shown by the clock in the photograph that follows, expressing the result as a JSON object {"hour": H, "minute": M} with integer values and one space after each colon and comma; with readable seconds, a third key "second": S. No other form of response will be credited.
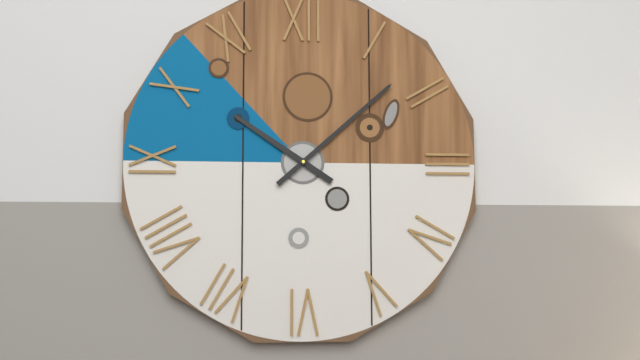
{"hour": 10, "minute": 8}
